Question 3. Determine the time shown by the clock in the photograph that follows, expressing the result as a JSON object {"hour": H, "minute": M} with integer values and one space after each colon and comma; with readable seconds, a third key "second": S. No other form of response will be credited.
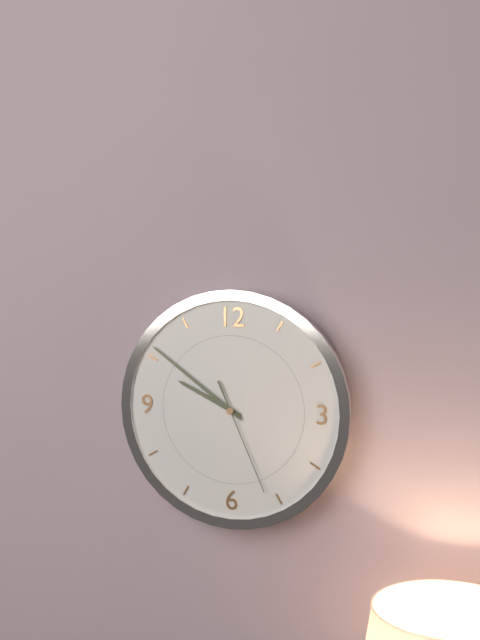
{"hour": 9, "minute": 51, "second": 26}
